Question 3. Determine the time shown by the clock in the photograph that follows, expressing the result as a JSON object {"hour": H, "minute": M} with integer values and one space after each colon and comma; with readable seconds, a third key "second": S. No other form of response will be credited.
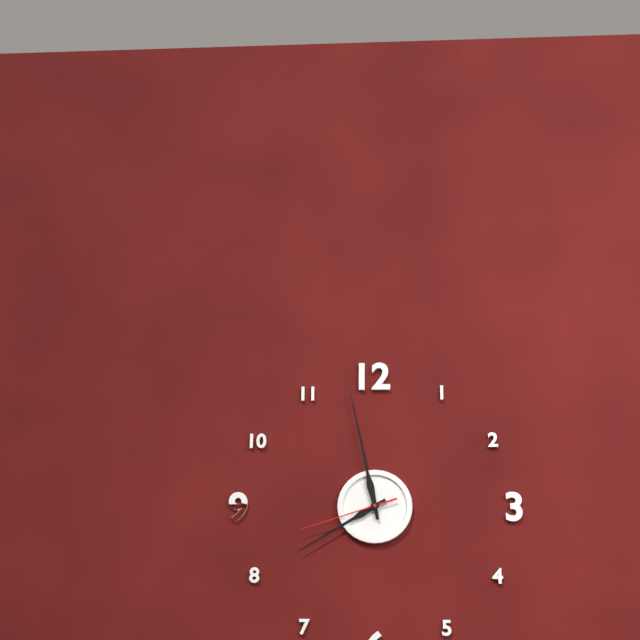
{"hour": 7, "minute": 58, "second": 42}
